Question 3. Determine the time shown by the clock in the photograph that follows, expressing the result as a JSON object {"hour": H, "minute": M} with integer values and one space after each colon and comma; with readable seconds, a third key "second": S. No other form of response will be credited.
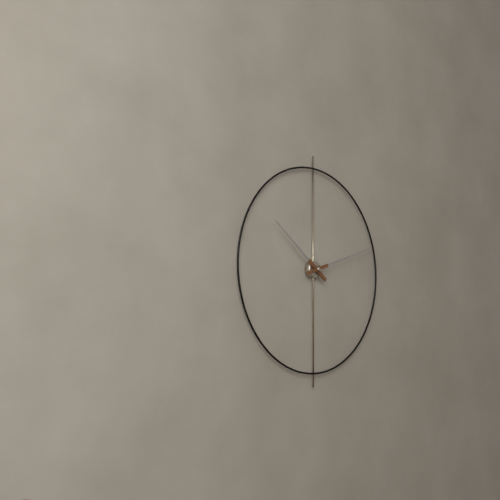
{"hour": 10, "minute": 12}
